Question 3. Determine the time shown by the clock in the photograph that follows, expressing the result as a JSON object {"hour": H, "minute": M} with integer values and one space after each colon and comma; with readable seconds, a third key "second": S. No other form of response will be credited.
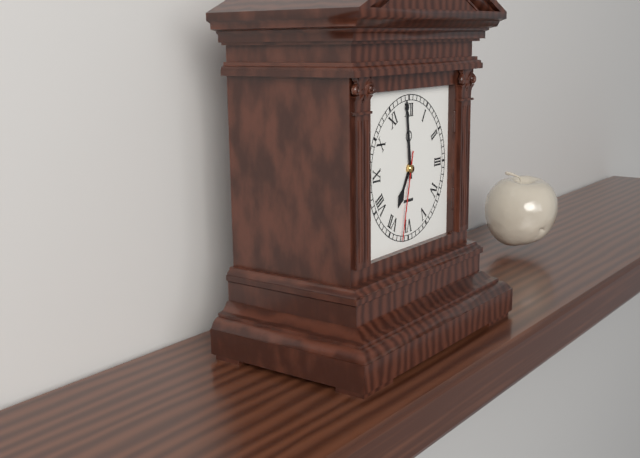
{"hour": 6, "minute": 59, "second": 32}
